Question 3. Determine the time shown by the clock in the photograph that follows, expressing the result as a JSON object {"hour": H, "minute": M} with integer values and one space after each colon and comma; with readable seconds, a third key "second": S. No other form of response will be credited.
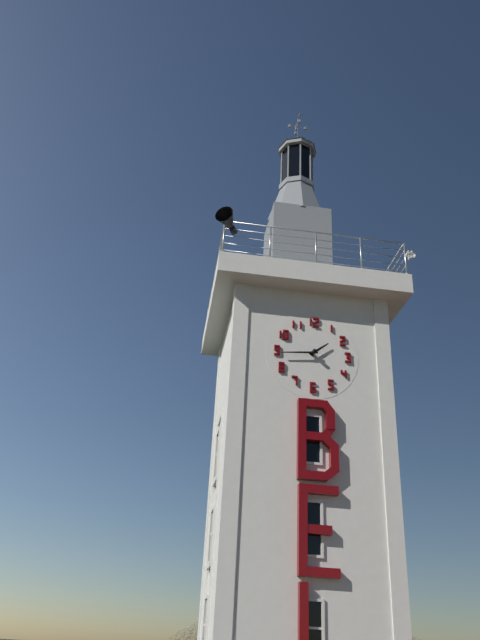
{"hour": 1, "minute": 44}
